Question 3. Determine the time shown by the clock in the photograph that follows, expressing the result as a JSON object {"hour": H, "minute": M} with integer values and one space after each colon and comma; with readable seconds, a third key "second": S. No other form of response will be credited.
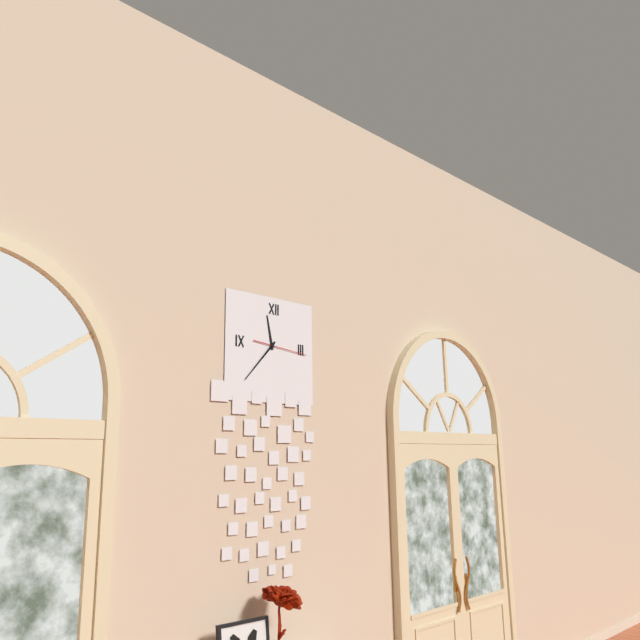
{"hour": 11, "minute": 37}
